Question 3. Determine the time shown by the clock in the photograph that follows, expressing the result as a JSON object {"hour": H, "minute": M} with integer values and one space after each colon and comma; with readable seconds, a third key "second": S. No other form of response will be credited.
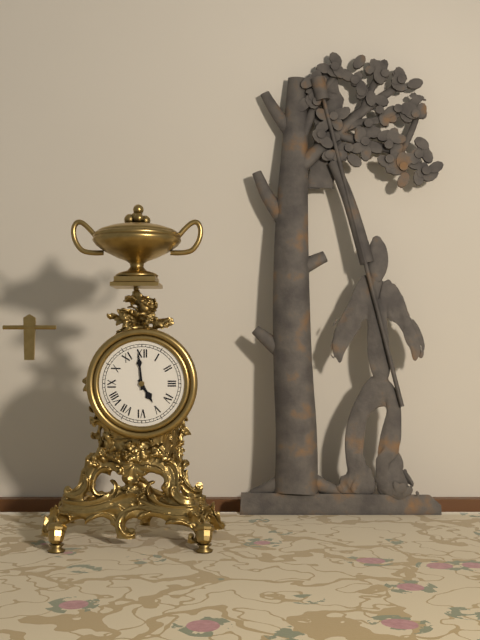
{"hour": 4, "minute": 59}
